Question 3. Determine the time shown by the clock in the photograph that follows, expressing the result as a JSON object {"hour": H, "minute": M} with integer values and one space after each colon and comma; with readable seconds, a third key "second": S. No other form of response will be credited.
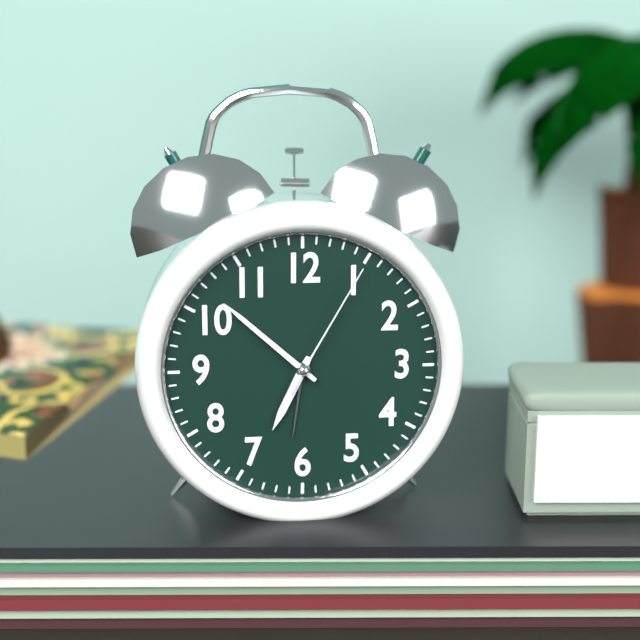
{"hour": 6, "minute": 52, "second": 5}
